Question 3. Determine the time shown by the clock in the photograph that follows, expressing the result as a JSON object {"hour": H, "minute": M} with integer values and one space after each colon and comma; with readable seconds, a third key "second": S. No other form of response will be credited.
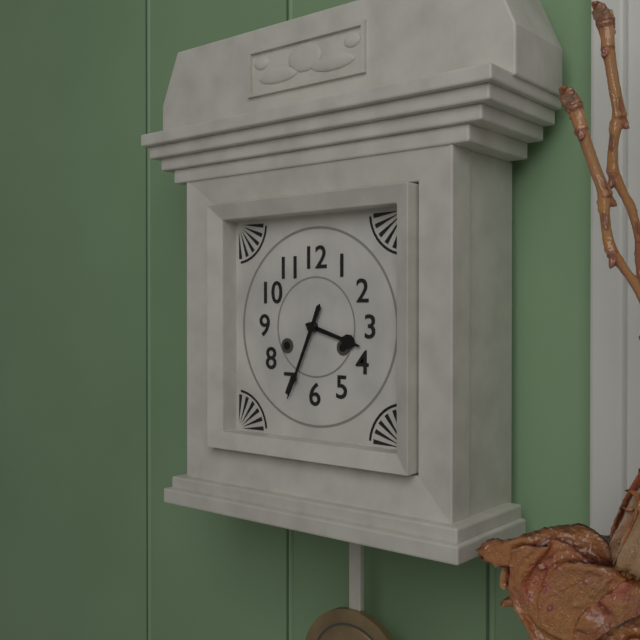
{"hour": 3, "minute": 34}
